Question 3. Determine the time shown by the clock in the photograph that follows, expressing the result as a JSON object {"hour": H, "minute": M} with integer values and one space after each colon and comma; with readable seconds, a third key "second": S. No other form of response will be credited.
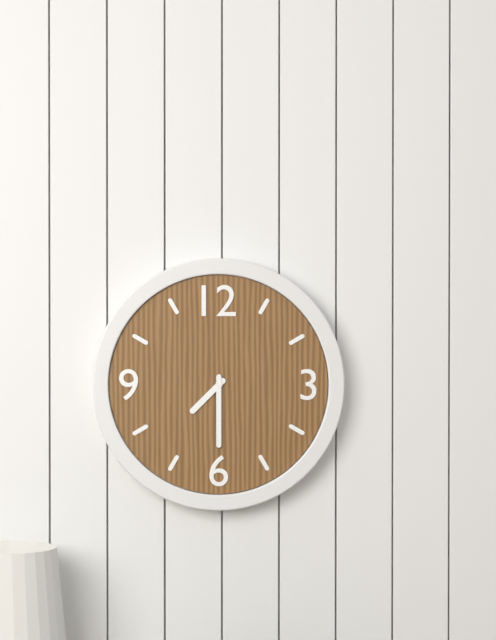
{"hour": 7, "minute": 30}
